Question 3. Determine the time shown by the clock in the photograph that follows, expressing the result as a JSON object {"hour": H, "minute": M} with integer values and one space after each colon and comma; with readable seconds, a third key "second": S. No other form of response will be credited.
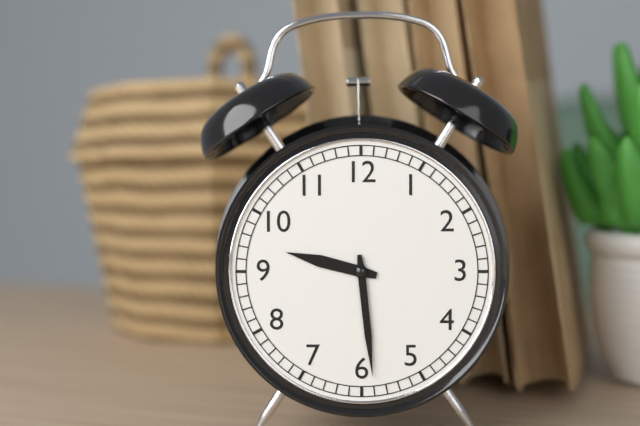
{"hour": 9, "minute": 29}
